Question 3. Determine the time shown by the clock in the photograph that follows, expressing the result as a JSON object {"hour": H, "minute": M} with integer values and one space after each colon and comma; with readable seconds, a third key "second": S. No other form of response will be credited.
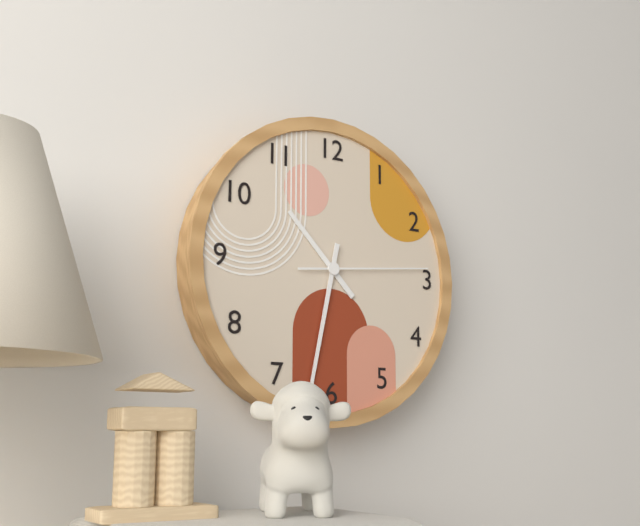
{"hour": 10, "minute": 32, "second": 14}
